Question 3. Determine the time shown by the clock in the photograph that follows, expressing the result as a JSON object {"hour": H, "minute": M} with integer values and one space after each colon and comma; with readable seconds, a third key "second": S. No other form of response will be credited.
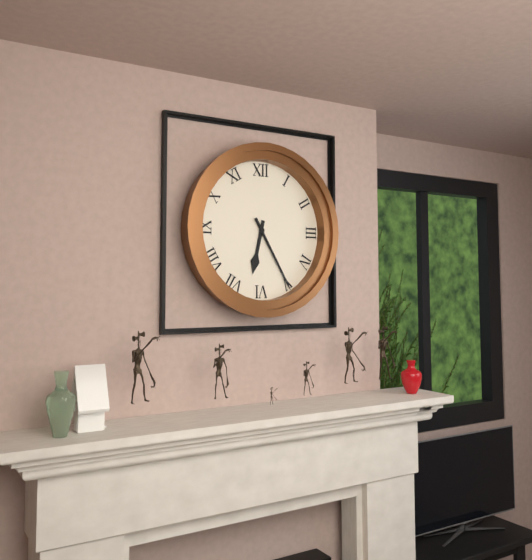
{"hour": 6, "minute": 25}
